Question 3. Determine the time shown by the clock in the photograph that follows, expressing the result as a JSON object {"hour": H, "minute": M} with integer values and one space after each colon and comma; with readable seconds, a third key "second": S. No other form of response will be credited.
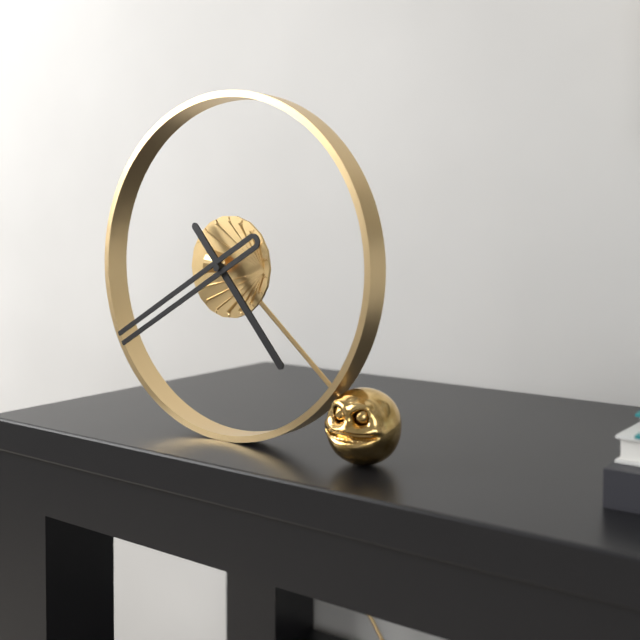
{"hour": 4, "minute": 40}
